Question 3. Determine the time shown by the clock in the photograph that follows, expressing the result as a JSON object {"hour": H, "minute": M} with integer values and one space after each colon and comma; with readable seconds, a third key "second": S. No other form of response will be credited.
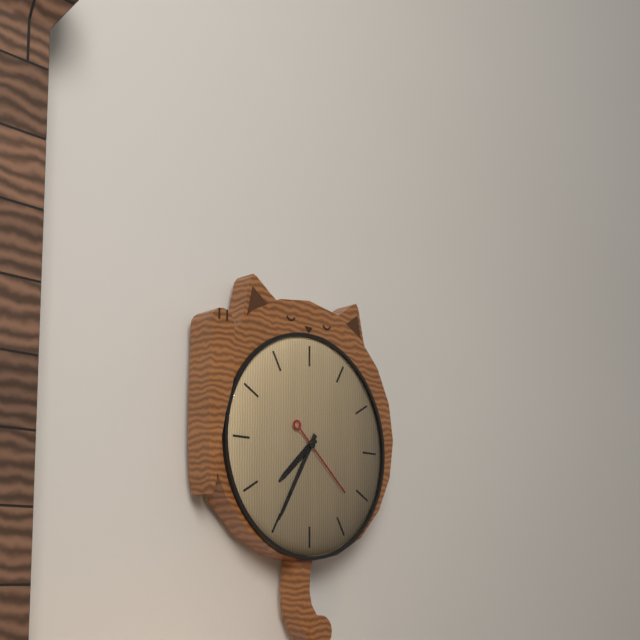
{"hour": 7, "minute": 35, "second": 22}
